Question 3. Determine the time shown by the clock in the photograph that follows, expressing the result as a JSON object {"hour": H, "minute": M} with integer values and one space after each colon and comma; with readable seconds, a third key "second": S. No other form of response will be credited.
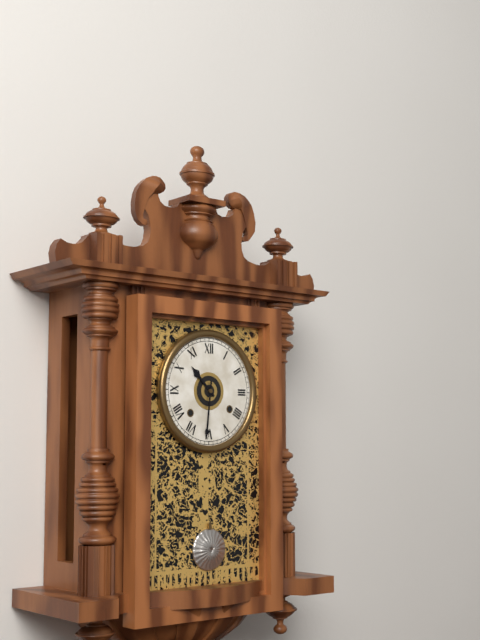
{"hour": 10, "minute": 31}
